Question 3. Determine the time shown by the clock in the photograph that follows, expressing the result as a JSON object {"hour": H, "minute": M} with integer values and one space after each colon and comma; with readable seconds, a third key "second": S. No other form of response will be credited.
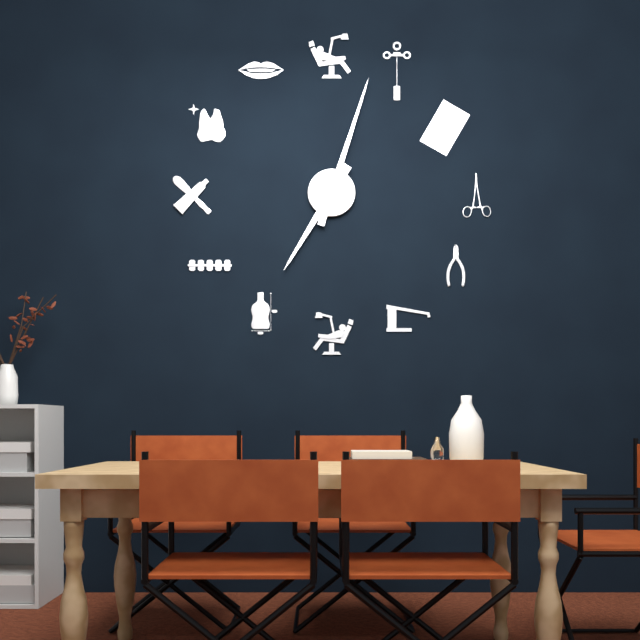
{"hour": 7, "minute": 3}
